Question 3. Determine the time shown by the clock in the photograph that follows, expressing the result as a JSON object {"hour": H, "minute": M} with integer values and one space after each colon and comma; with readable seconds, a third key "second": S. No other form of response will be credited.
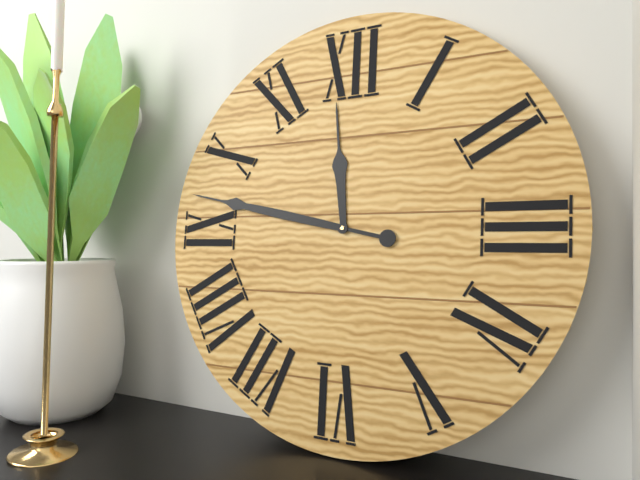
{"hour": 11, "minute": 47}
